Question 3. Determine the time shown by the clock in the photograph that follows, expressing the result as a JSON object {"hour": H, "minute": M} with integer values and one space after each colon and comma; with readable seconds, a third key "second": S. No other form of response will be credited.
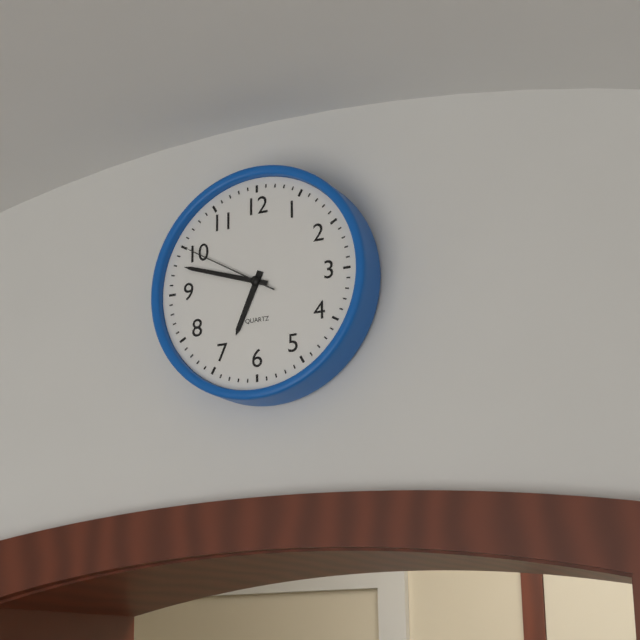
{"hour": 6, "minute": 48, "second": 50}
